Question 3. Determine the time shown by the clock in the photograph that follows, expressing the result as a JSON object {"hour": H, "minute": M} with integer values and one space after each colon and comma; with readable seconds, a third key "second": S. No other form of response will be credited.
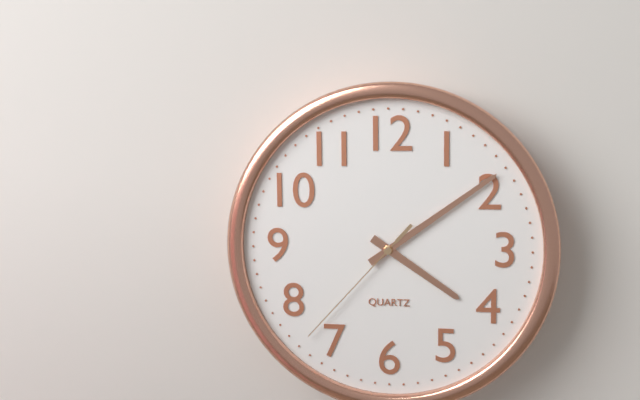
{"hour": 4, "minute": 9, "second": 37}
